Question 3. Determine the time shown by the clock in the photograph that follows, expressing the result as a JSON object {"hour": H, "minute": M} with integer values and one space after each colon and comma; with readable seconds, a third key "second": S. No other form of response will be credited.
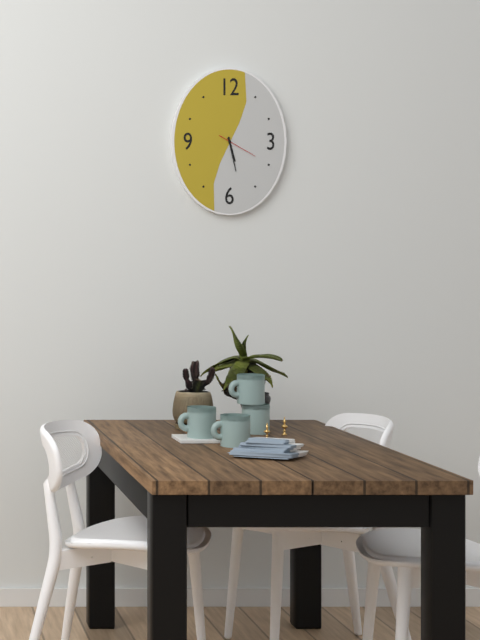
{"hour": 5, "minute": 28}
